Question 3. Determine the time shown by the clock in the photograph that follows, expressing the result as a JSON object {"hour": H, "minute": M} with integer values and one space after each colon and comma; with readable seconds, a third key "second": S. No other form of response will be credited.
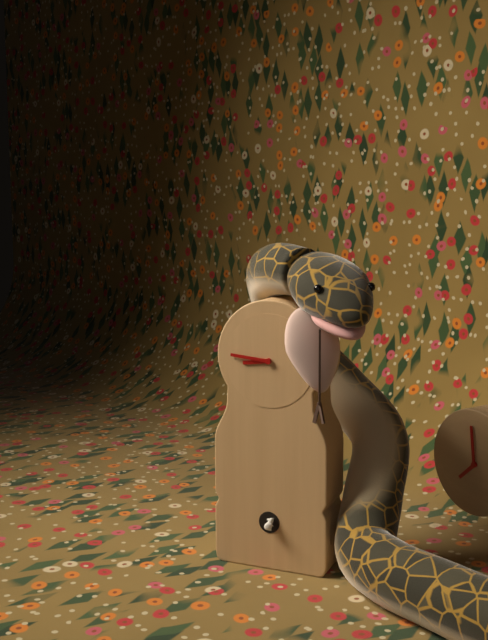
{"hour": 8, "minute": 46}
